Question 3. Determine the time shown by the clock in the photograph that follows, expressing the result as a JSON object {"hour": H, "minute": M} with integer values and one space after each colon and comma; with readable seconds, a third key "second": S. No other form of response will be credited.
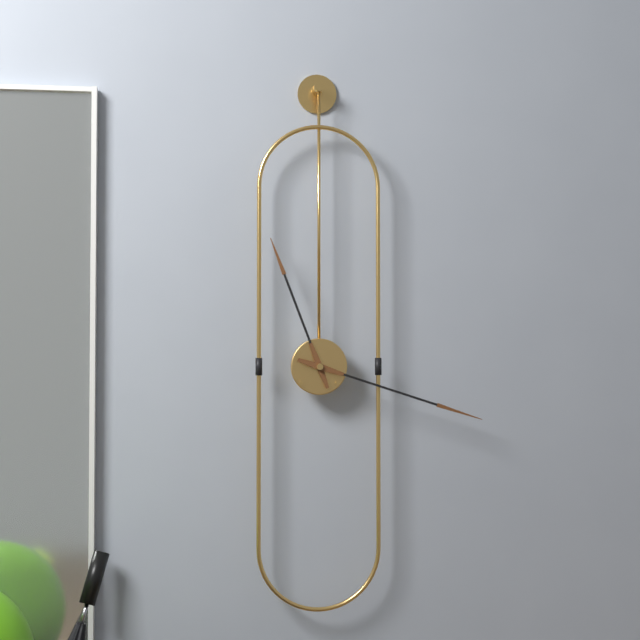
{"hour": 11, "minute": 18}
